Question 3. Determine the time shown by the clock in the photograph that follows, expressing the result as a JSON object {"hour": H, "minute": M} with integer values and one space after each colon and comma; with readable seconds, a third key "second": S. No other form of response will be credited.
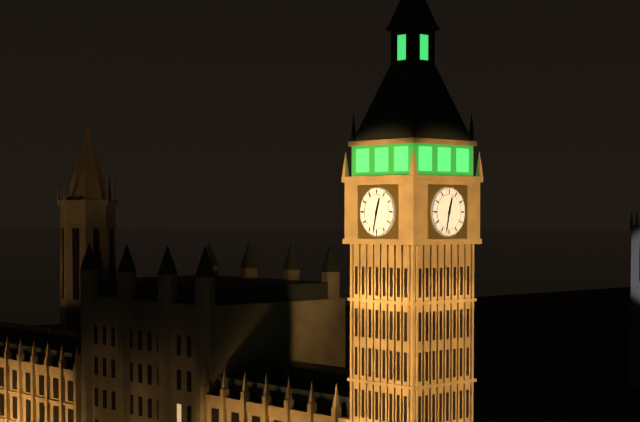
{"hour": 12, "minute": 32}
